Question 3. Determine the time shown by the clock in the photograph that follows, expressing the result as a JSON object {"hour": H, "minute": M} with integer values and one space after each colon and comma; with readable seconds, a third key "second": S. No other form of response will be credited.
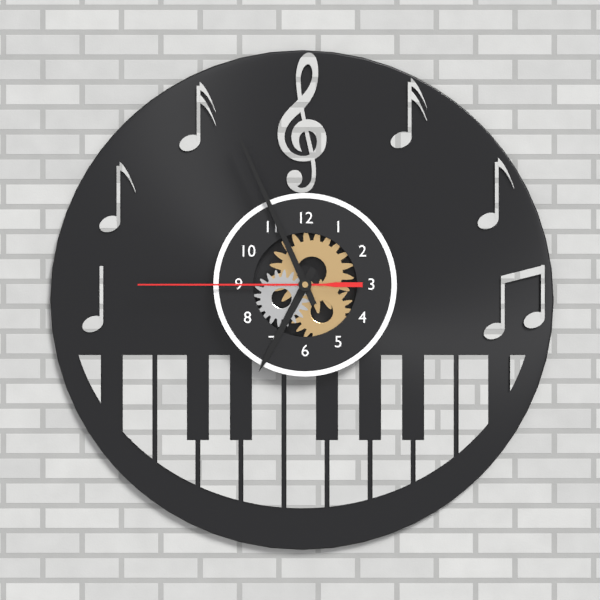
{"hour": 6, "minute": 56, "second": 45}
